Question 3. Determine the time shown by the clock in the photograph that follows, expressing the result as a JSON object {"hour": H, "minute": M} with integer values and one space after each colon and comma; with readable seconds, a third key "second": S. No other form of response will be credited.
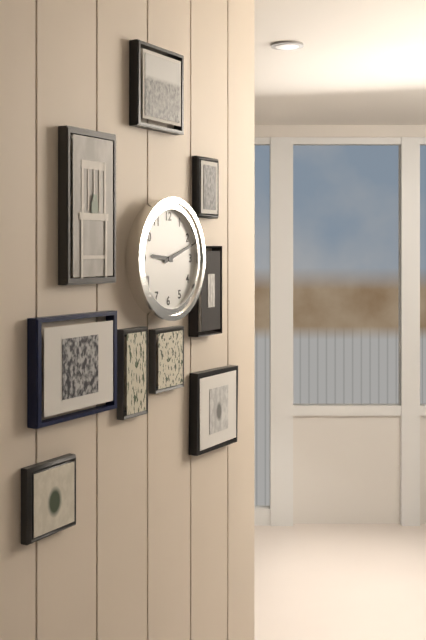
{"hour": 9, "minute": 12}
